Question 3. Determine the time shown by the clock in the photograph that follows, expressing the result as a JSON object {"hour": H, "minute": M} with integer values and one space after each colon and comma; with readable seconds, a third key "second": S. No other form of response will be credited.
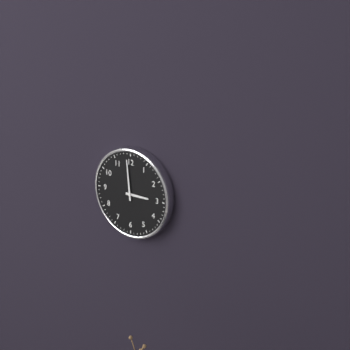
{"hour": 2, "minute": 59}
